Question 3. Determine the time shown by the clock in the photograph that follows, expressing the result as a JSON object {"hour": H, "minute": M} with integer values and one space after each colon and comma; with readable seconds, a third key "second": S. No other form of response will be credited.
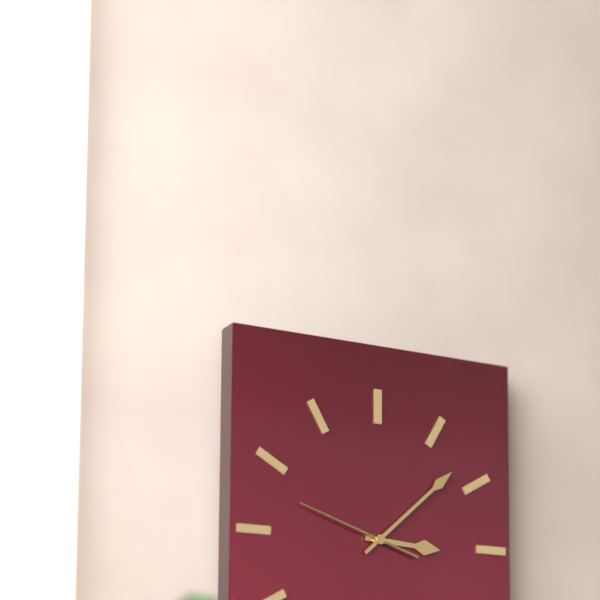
{"hour": 3, "minute": 8, "second": 48}
